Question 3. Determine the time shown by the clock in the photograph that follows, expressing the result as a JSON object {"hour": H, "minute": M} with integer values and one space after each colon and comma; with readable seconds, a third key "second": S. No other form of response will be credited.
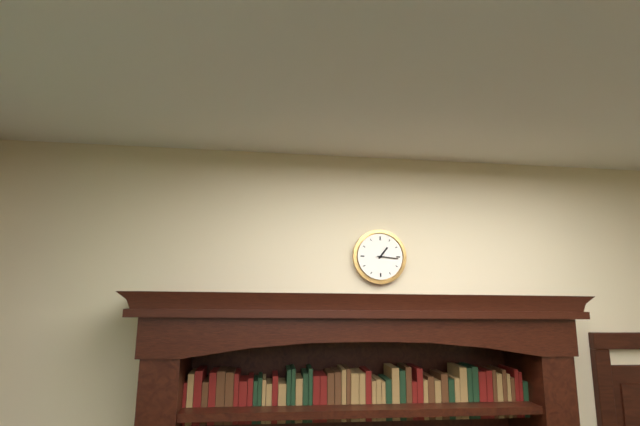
{"hour": 1, "minute": 16}
